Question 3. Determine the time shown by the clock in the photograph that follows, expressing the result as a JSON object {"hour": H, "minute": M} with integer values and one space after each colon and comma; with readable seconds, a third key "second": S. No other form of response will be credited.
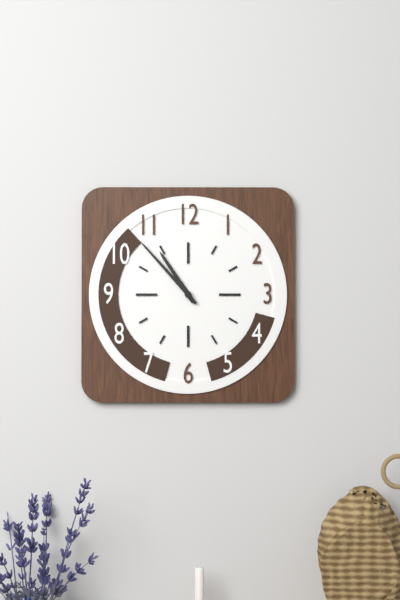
{"hour": 10, "minute": 53}
